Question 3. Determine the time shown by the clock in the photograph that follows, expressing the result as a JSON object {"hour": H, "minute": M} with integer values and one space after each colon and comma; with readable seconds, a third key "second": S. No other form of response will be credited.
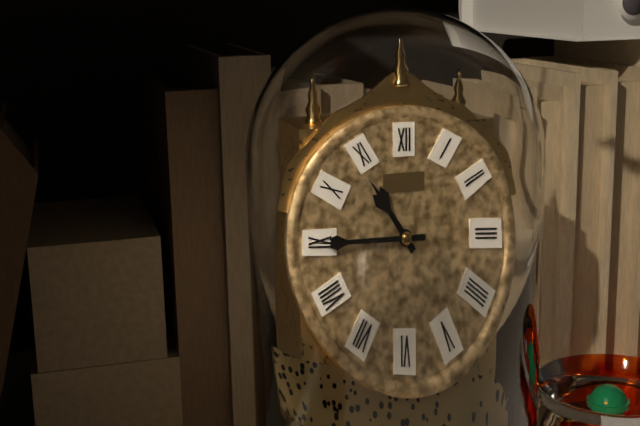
{"hour": 10, "minute": 45}
